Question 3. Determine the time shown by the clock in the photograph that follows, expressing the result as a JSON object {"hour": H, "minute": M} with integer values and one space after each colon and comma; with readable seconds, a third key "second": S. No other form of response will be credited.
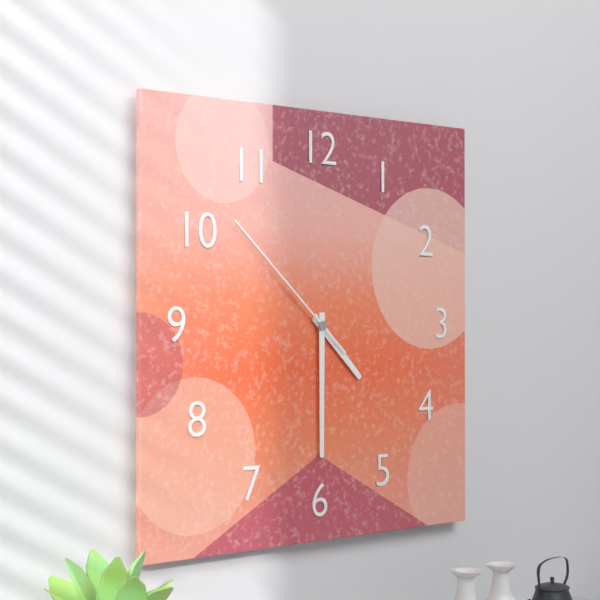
{"hour": 4, "minute": 30, "second": 52}
